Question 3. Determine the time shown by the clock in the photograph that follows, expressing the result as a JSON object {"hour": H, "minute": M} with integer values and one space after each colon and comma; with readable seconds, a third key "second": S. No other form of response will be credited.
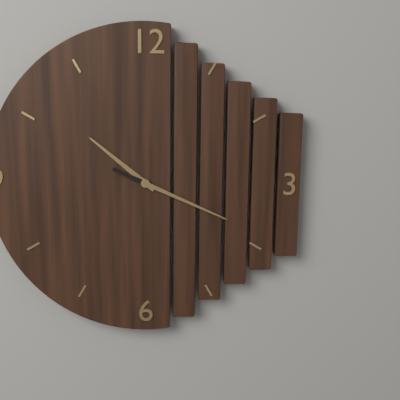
{"hour": 10, "minute": 19}
